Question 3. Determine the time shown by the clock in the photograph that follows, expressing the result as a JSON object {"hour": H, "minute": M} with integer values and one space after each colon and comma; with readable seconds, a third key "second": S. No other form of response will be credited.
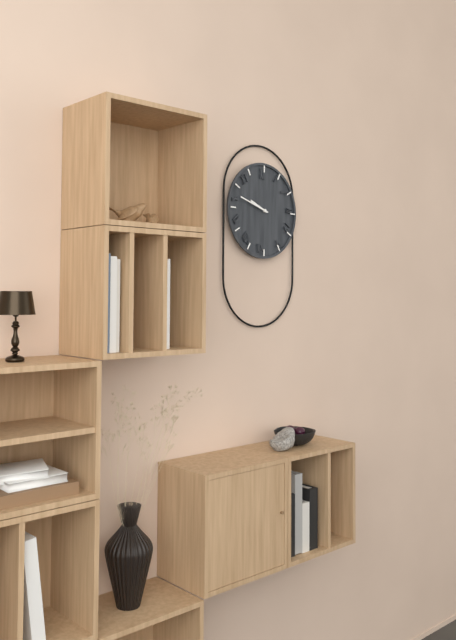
{"hour": 9, "minute": 48}
